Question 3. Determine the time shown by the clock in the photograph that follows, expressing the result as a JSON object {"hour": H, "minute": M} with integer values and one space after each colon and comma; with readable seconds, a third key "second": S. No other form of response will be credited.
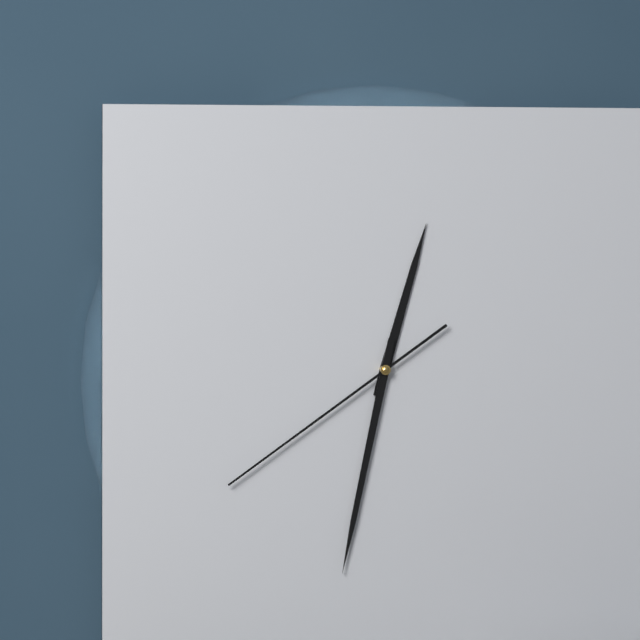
{"hour": 12, "minute": 32, "second": 39}
